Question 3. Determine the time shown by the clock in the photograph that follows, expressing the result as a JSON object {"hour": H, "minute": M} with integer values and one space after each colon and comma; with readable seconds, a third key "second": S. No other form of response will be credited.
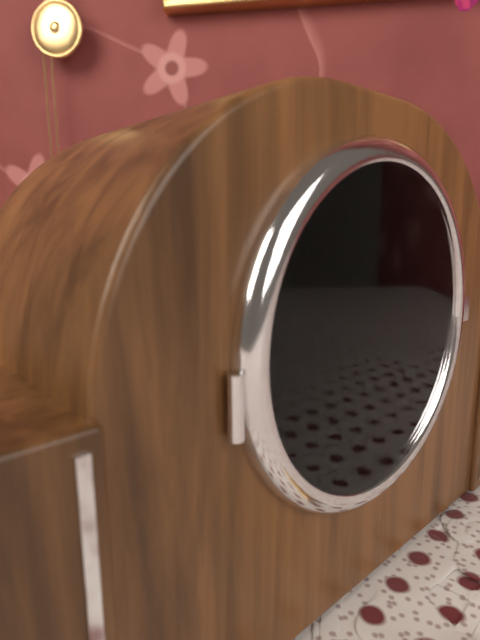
{"hour": 4, "minute": 46}
